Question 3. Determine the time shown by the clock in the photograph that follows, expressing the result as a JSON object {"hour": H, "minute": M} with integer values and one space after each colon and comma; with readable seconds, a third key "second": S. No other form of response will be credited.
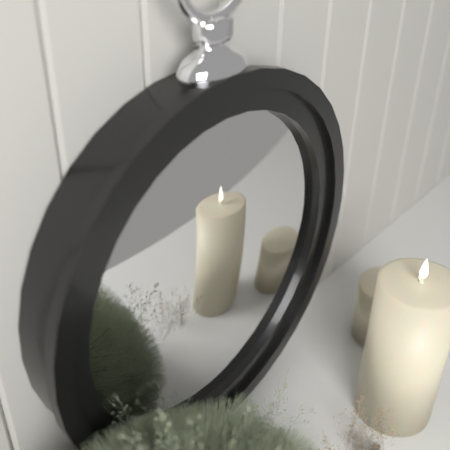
{"hour": 9, "minute": 34}
